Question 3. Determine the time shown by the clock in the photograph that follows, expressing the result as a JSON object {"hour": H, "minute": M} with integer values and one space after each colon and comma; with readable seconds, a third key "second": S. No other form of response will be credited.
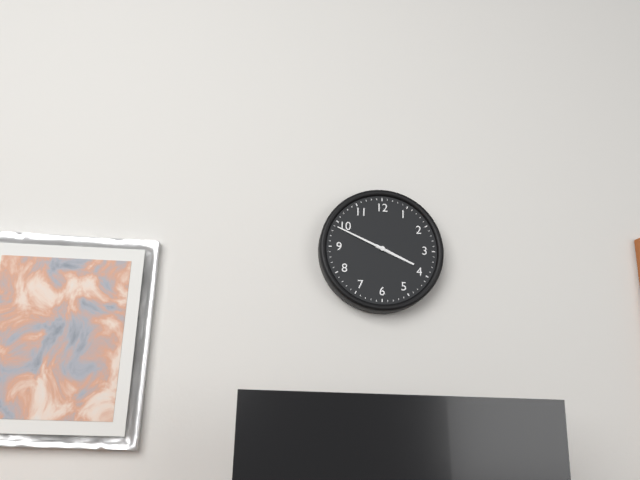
{"hour": 3, "minute": 49}
